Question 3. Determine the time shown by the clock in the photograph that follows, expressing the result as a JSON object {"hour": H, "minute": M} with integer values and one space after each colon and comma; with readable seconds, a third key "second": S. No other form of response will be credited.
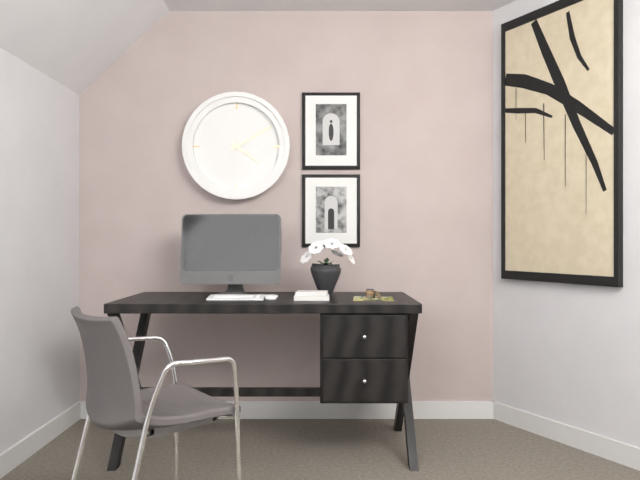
{"hour": 4, "minute": 10}
